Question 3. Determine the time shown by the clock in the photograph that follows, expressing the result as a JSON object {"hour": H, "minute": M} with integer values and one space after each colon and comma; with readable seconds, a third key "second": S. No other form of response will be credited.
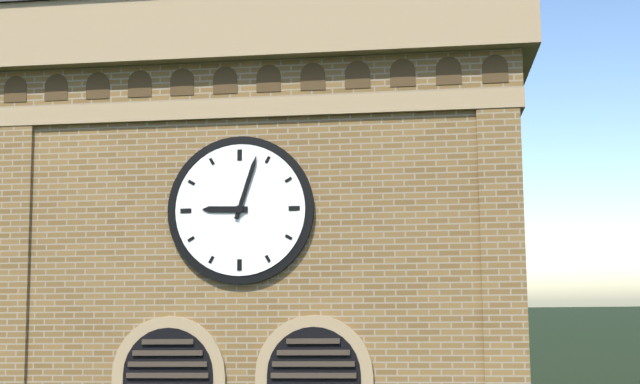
{"hour": 9, "minute": 3}
